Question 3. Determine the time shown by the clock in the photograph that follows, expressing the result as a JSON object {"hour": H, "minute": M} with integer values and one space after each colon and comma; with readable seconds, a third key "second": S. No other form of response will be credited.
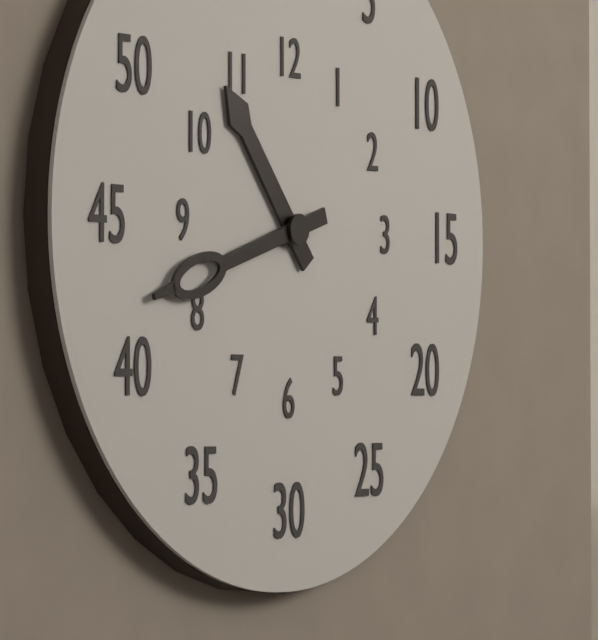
{"hour": 10, "minute": 42}
